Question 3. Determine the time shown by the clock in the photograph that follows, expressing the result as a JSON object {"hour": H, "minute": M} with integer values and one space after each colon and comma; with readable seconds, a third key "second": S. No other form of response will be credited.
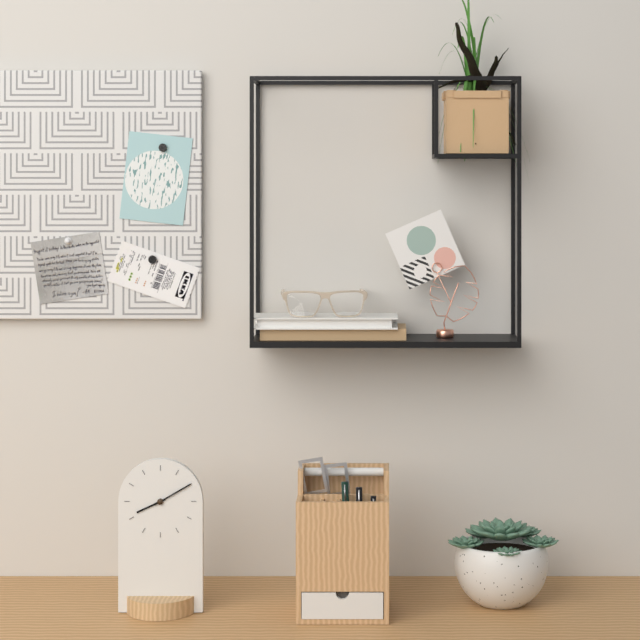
{"hour": 8, "minute": 10}
